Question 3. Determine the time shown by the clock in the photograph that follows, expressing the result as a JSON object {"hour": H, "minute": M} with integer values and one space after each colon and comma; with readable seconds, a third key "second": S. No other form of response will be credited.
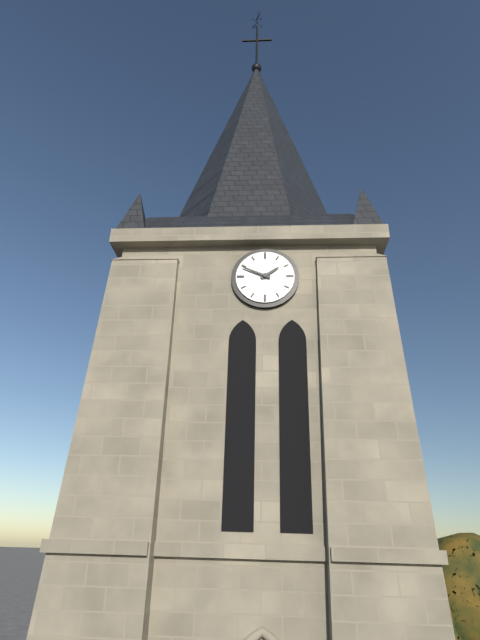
{"hour": 1, "minute": 49}
